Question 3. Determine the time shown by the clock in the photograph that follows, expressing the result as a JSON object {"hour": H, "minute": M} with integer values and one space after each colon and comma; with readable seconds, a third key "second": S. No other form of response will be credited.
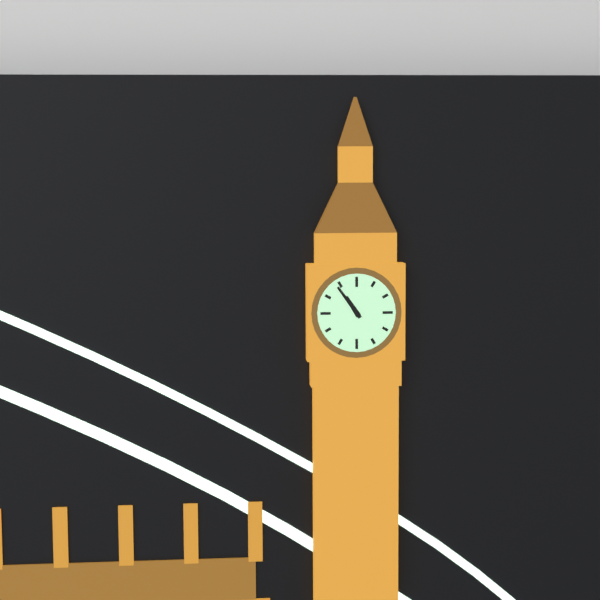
{"hour": 10, "minute": 54}
